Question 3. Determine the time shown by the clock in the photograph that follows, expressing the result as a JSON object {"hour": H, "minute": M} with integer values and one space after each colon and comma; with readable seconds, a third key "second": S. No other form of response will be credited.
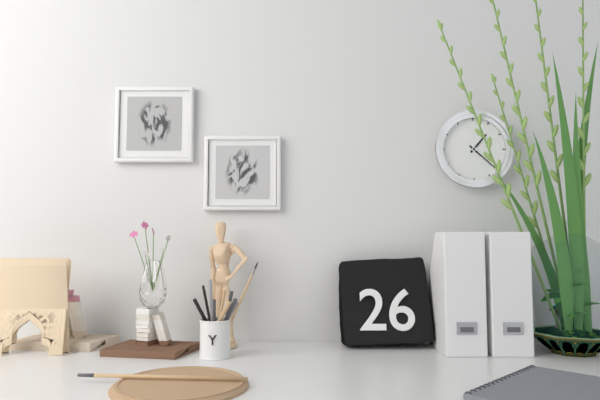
{"hour": 1, "minute": 22}
